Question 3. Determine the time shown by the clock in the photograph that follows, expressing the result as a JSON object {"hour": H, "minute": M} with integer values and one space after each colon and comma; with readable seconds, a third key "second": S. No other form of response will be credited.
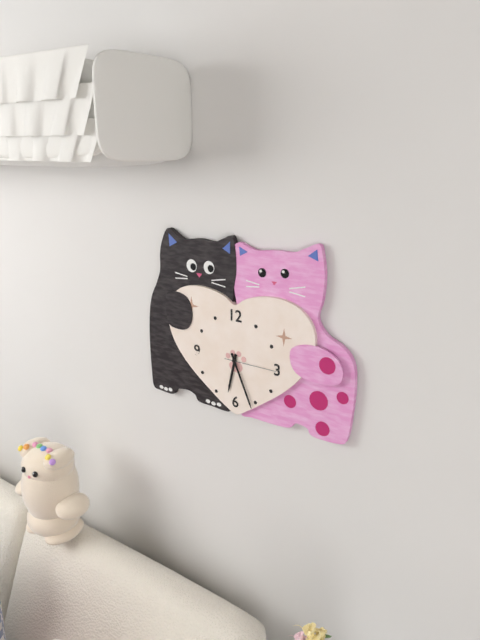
{"hour": 6, "minute": 26}
